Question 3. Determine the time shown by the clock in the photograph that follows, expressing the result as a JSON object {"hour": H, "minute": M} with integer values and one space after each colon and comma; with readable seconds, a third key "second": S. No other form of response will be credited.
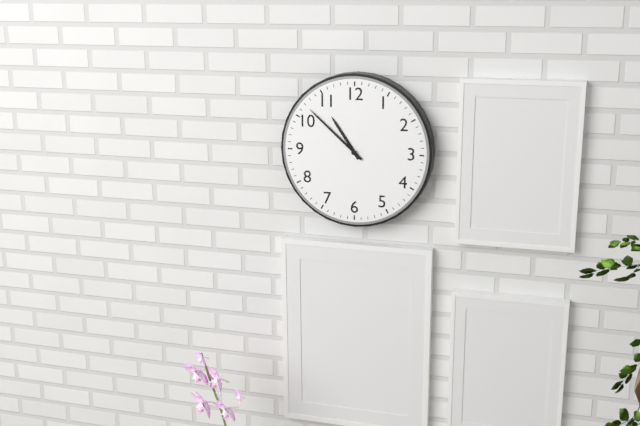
{"hour": 10, "minute": 52}
